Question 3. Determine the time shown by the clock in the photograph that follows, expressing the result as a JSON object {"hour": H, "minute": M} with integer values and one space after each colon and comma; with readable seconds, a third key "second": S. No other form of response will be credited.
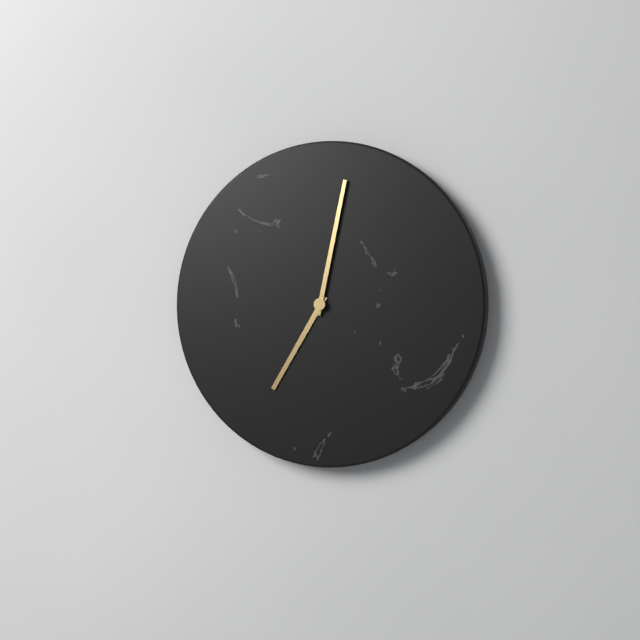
{"hour": 7, "minute": 2}
